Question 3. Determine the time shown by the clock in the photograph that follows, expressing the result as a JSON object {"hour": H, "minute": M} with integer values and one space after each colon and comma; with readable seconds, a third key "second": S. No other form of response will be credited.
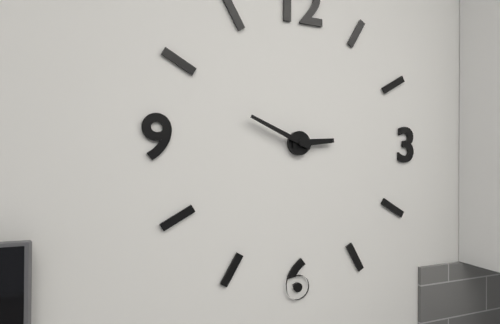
{"hour": 2, "minute": 49}
